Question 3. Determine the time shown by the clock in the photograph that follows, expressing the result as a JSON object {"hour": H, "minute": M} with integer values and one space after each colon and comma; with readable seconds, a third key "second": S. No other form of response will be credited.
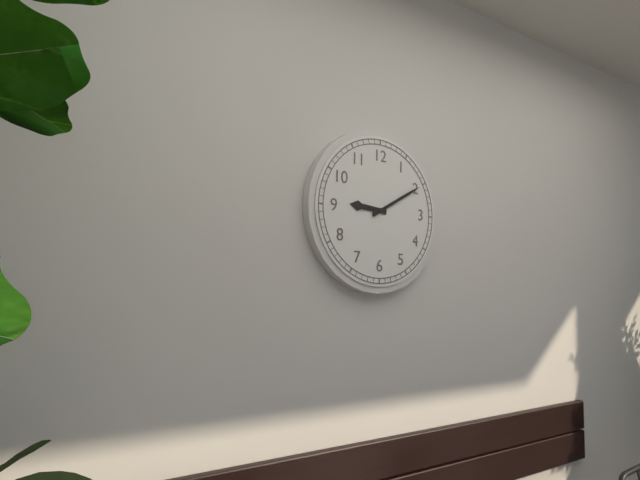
{"hour": 9, "minute": 10}
